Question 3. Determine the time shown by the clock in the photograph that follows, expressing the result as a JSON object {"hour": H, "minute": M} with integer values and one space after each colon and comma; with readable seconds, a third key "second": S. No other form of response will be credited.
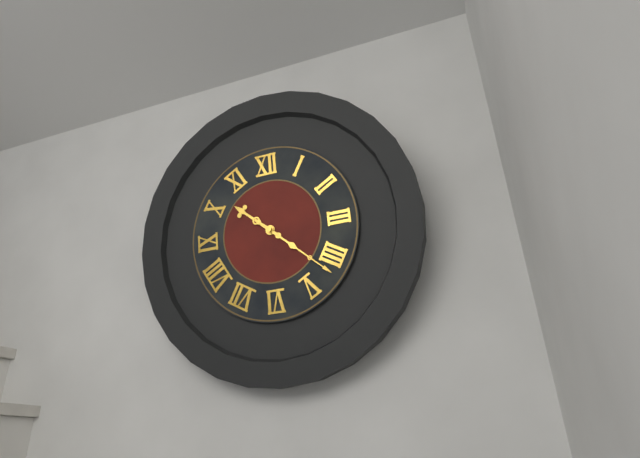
{"hour": 10, "minute": 22}
